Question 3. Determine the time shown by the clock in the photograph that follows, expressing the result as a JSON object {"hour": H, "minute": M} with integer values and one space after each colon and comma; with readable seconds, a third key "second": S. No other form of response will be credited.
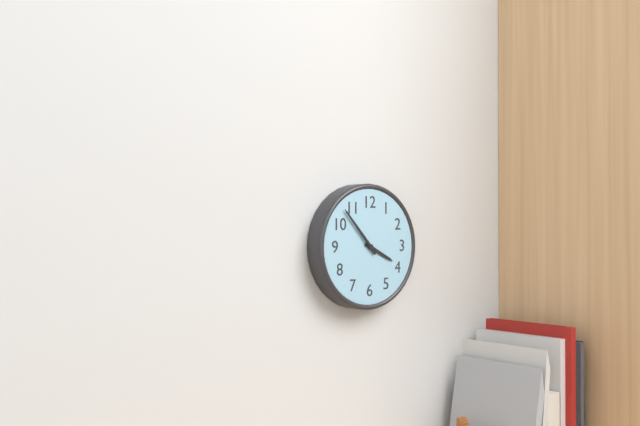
{"hour": 3, "minute": 53}
